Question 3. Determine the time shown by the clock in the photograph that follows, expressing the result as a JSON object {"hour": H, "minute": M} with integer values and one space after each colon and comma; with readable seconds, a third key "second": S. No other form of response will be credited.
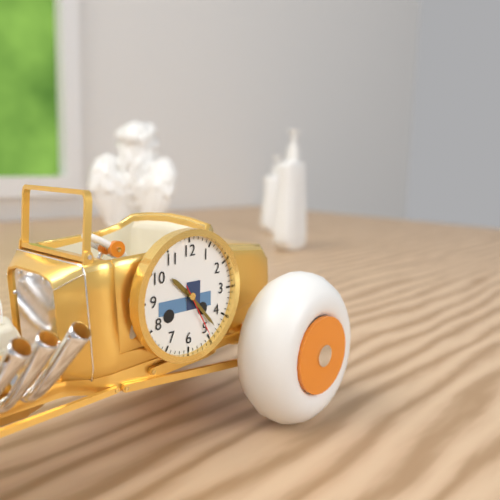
{"hour": 10, "minute": 23, "second": 25}
